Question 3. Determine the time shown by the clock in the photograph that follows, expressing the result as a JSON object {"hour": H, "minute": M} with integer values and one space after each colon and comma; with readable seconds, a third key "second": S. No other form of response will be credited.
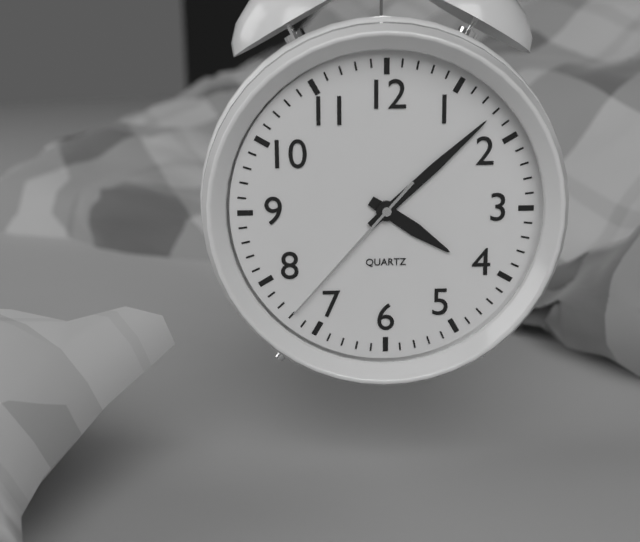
{"hour": 4, "minute": 8, "second": 37}
